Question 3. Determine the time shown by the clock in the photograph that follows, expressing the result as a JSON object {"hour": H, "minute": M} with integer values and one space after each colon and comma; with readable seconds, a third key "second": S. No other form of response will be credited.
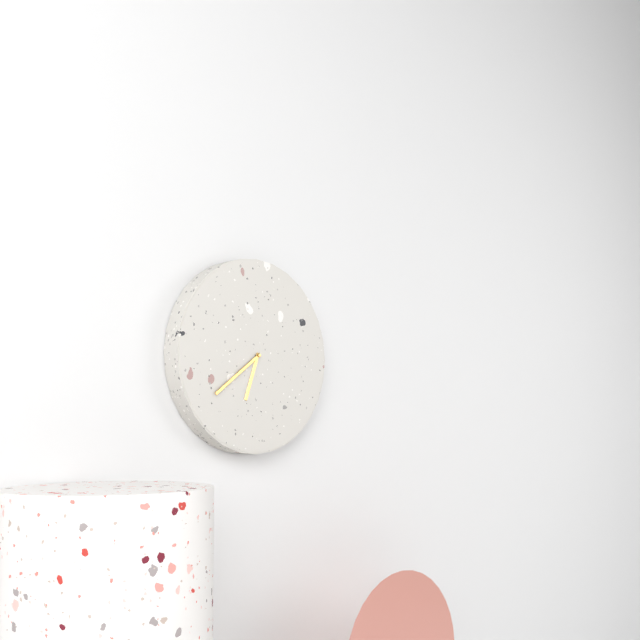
{"hour": 6, "minute": 39}
